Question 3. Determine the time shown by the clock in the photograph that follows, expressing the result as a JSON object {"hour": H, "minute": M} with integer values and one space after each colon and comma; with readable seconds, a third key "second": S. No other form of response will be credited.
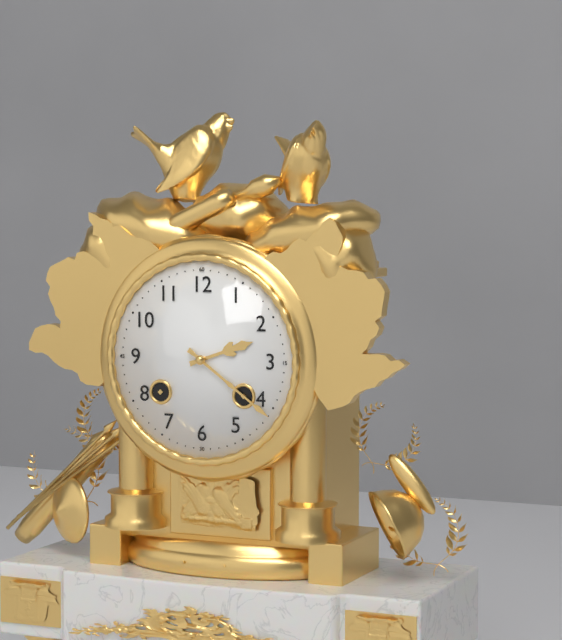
{"hour": 2, "minute": 21}
